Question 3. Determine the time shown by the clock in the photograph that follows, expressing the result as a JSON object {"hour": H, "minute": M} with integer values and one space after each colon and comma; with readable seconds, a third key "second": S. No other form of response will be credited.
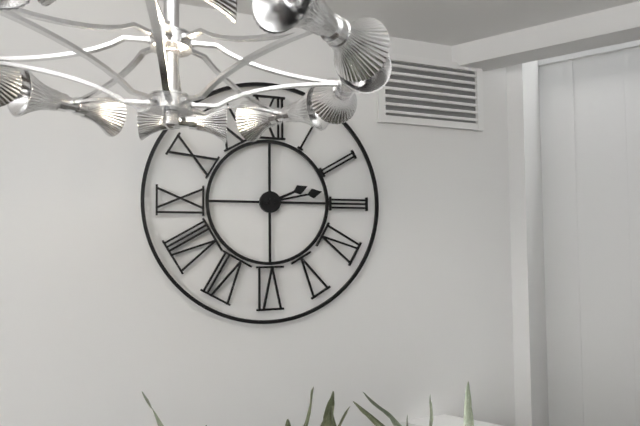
{"hour": 2, "minute": 13}
